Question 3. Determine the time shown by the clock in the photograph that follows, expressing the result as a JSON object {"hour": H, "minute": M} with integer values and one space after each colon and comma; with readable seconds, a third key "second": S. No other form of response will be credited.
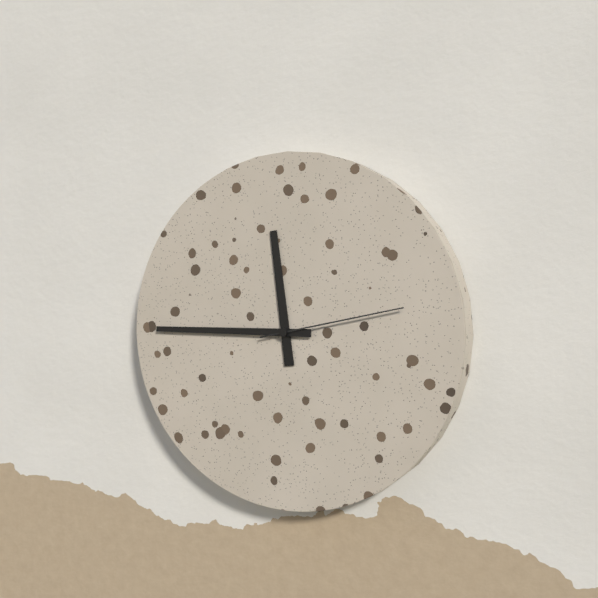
{"hour": 11, "minute": 45, "second": 13}
